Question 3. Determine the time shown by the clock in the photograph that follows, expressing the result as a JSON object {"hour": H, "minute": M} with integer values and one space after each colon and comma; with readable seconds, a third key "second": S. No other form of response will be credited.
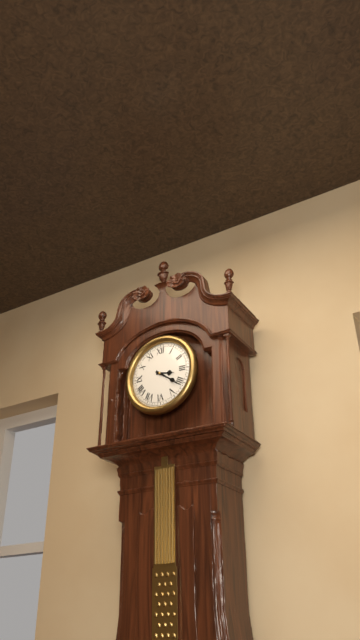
{"hour": 3, "minute": 21}
